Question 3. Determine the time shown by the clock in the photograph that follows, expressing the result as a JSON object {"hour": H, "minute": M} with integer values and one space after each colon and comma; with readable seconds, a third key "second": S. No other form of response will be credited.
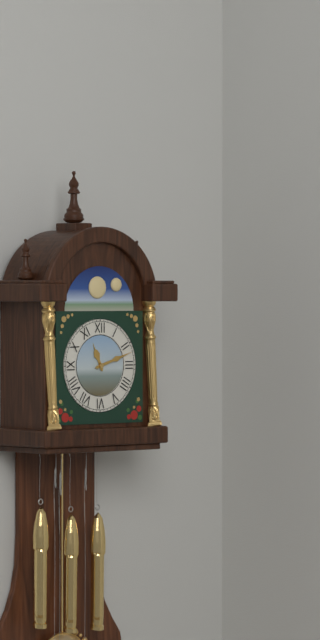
{"hour": 11, "minute": 12}
